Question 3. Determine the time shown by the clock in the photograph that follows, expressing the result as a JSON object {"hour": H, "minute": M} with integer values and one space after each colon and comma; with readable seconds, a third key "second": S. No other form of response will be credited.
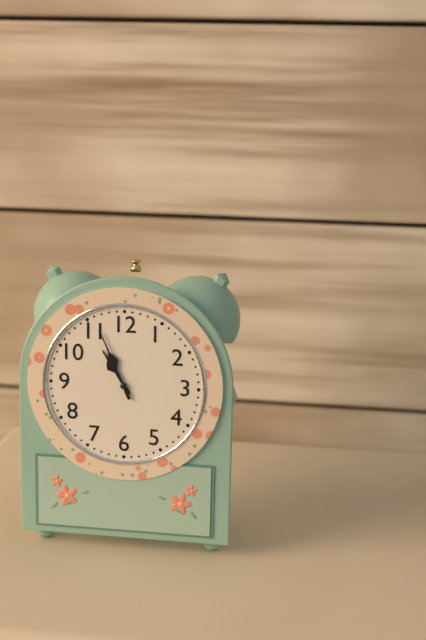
{"hour": 10, "minute": 56}
